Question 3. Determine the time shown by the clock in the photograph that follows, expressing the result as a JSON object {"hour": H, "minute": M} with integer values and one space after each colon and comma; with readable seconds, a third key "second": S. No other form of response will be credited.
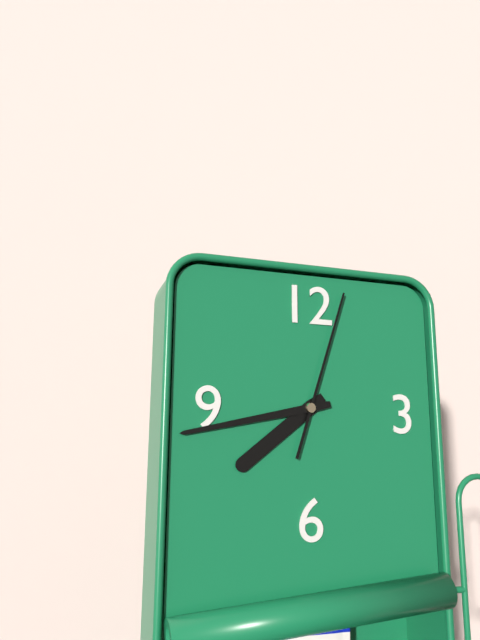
{"hour": 7, "minute": 43, "second": 3}
